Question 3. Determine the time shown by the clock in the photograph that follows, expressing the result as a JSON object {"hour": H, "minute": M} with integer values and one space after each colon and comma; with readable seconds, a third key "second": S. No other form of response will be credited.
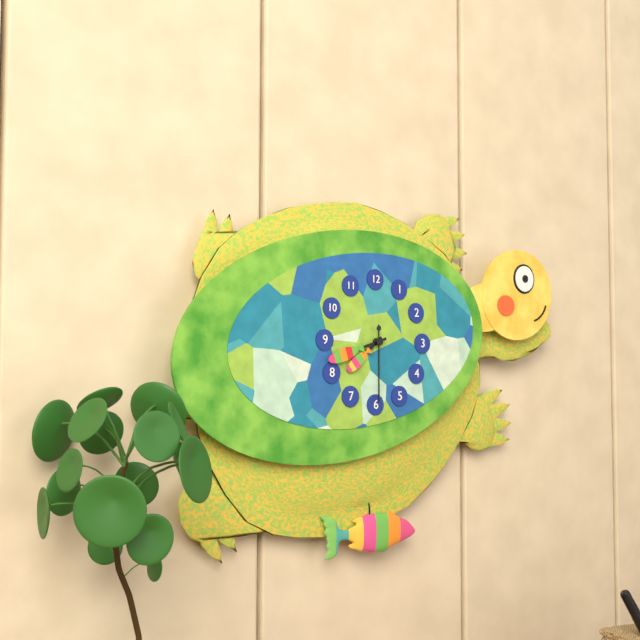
{"hour": 7, "minute": 42, "second": 30}
